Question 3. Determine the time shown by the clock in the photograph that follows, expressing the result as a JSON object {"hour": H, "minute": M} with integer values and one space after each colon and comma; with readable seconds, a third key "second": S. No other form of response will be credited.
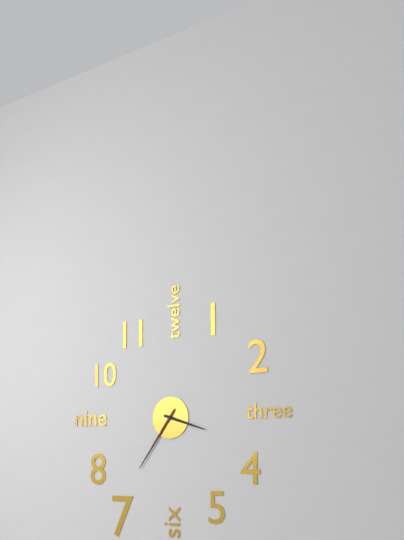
{"hour": 3, "minute": 36, "second": 36}
